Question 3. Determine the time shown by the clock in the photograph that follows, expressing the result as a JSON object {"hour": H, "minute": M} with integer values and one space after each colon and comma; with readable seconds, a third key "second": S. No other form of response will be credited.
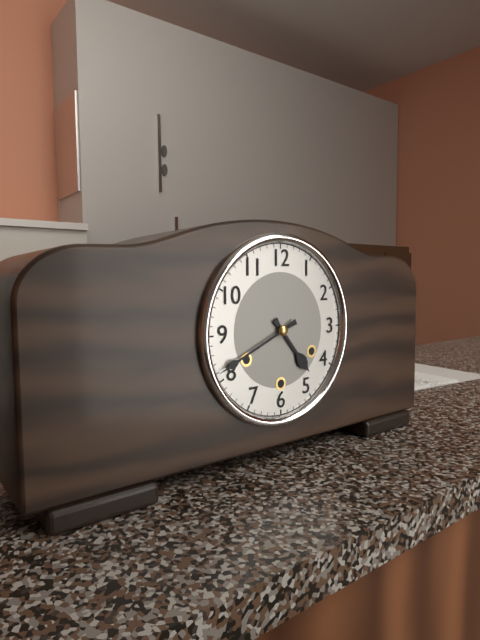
{"hour": 4, "minute": 41}
